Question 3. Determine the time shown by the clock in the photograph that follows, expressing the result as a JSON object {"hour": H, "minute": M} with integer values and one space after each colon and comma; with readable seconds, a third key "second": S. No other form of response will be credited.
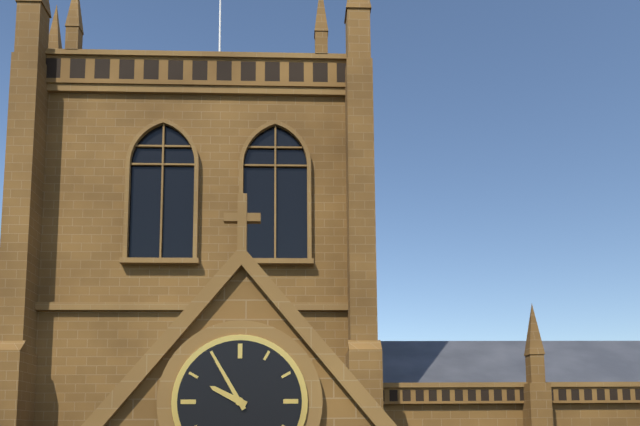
{"hour": 9, "minute": 55}
